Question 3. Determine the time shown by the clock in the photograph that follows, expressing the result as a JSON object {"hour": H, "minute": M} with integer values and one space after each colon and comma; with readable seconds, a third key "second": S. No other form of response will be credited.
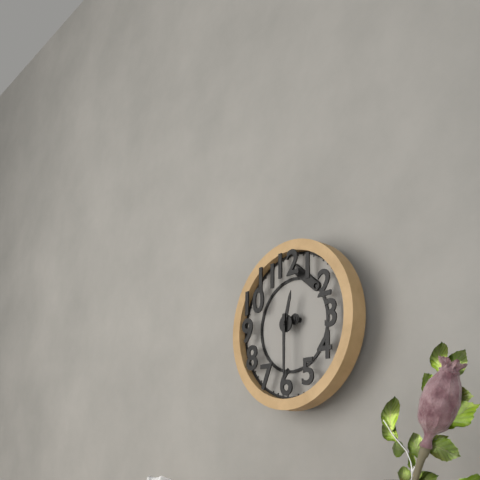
{"hour": 12, "minute": 30}
